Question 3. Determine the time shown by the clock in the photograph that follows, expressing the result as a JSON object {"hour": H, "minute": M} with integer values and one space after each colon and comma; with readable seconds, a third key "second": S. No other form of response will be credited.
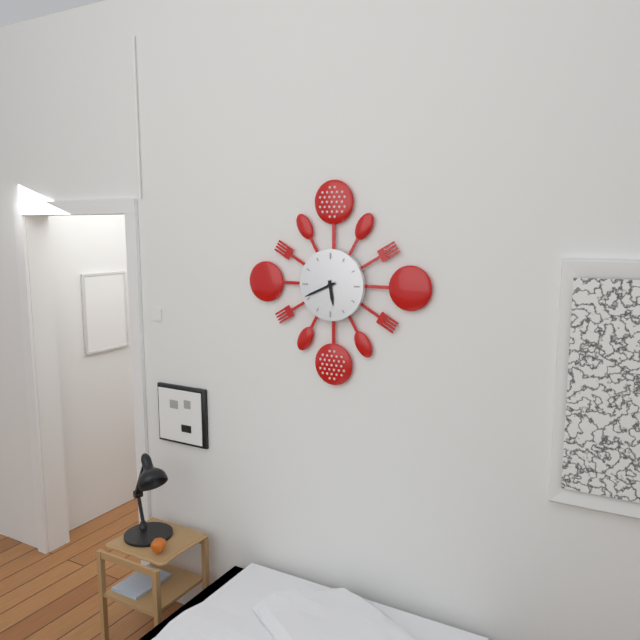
{"hour": 5, "minute": 41}
